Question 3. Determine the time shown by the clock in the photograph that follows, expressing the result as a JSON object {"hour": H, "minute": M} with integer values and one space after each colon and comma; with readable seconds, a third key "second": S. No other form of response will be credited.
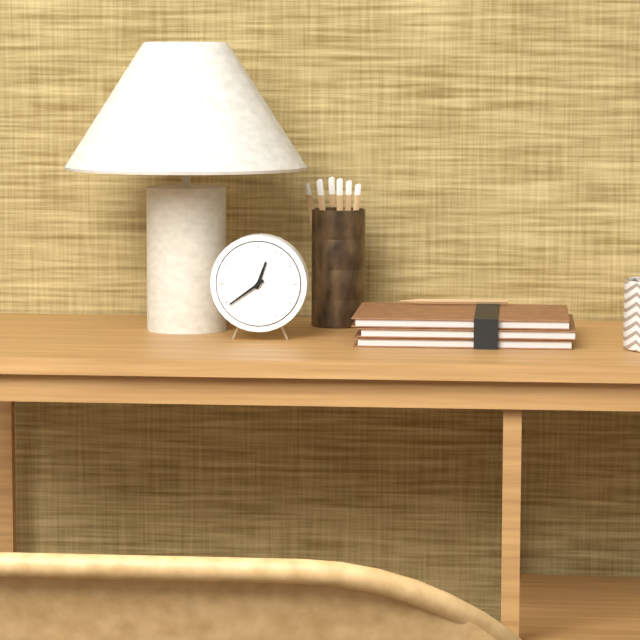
{"hour": 12, "minute": 39}
